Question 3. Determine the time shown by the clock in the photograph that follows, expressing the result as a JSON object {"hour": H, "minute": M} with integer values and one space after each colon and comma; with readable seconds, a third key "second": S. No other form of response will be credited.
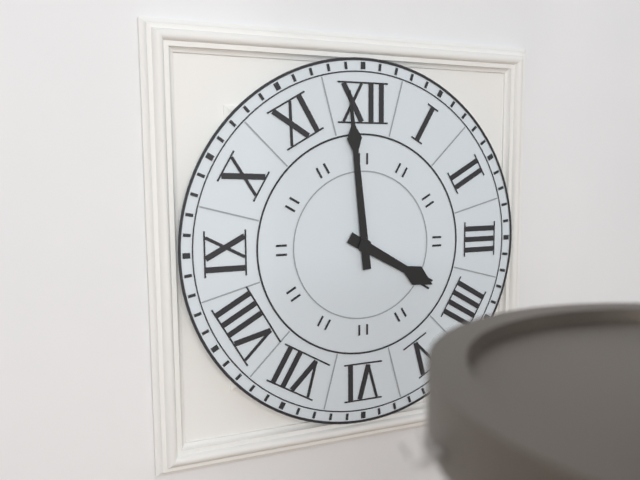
{"hour": 3, "minute": 59}
